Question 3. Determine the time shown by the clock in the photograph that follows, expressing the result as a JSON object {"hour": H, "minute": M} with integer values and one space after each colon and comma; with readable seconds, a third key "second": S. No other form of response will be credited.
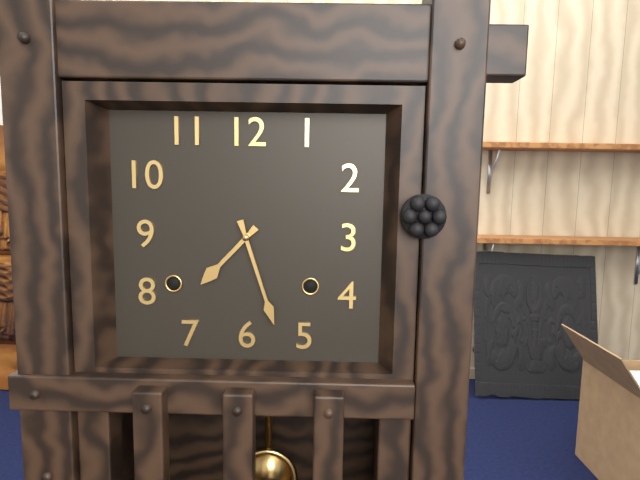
{"hour": 7, "minute": 27}
